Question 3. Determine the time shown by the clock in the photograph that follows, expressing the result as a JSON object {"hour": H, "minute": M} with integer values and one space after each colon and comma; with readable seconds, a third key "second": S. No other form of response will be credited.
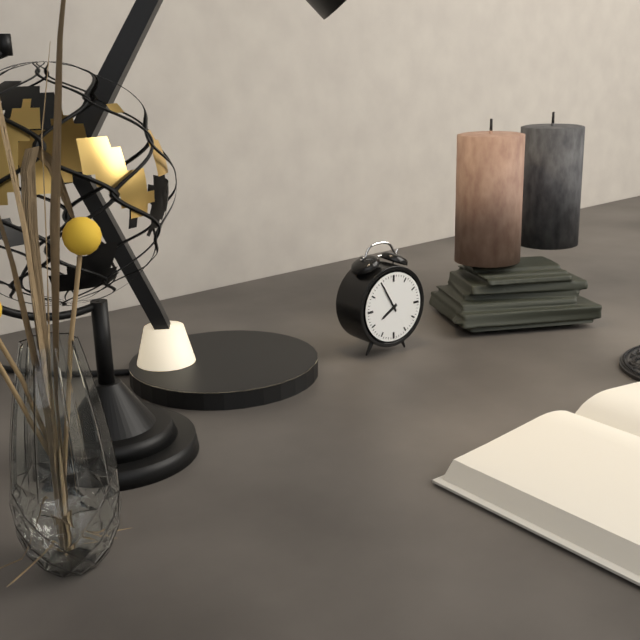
{"hour": 7, "minute": 55}
